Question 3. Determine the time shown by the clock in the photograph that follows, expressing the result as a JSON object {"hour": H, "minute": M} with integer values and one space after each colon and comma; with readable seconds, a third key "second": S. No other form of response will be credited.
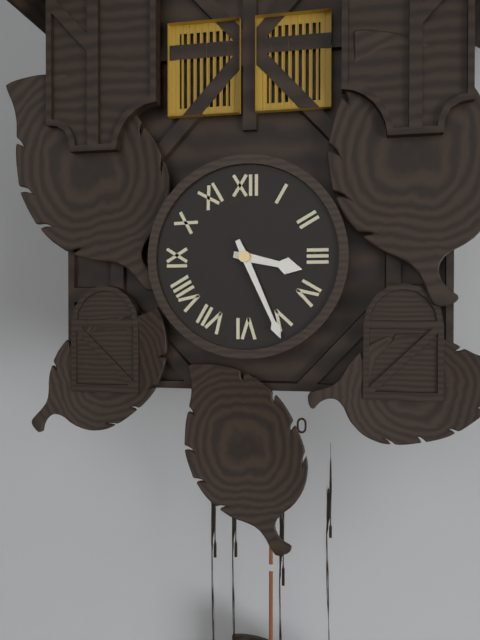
{"hour": 3, "minute": 26}
